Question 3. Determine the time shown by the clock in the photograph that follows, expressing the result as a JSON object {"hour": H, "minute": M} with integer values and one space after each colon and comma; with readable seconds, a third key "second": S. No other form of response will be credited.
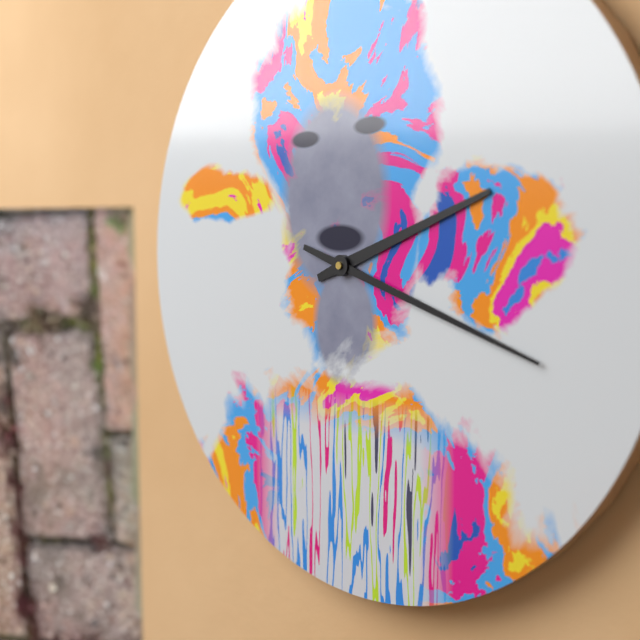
{"hour": 2, "minute": 18}
